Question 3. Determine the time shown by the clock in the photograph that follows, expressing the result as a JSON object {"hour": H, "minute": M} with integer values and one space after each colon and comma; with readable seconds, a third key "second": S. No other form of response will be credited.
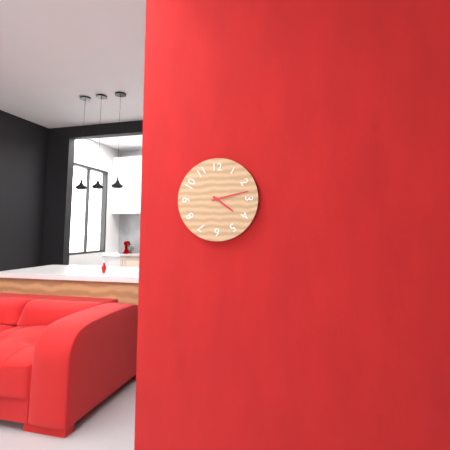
{"hour": 4, "minute": 13}
